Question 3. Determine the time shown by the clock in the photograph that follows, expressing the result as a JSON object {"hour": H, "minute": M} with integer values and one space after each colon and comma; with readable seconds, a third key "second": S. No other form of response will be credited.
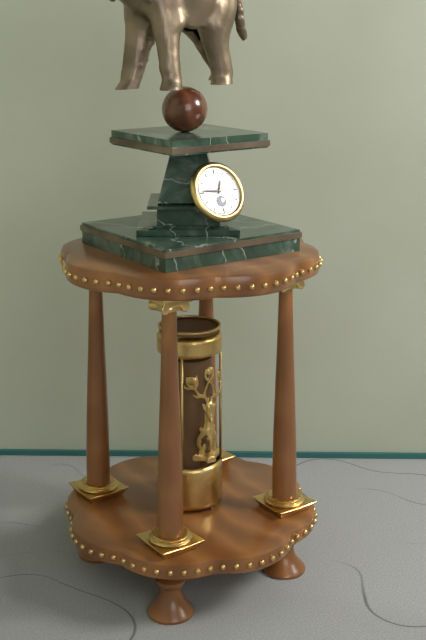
{"hour": 12, "minute": 46}
